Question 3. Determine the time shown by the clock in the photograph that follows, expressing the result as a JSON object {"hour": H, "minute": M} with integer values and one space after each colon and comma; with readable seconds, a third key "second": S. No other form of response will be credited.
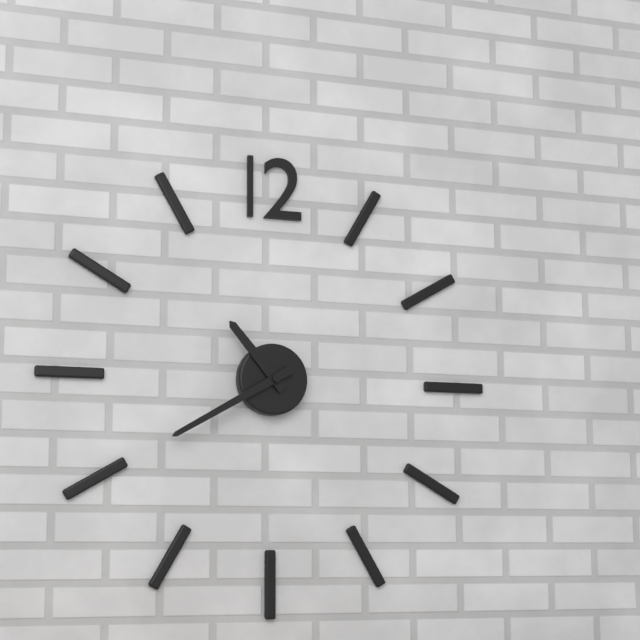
{"hour": 10, "minute": 40}
